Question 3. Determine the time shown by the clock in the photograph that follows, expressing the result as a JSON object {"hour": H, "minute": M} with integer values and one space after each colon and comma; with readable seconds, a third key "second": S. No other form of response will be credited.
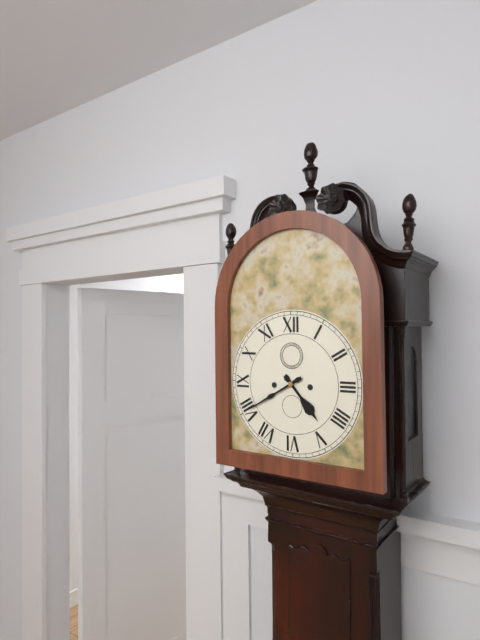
{"hour": 4, "minute": 40}
